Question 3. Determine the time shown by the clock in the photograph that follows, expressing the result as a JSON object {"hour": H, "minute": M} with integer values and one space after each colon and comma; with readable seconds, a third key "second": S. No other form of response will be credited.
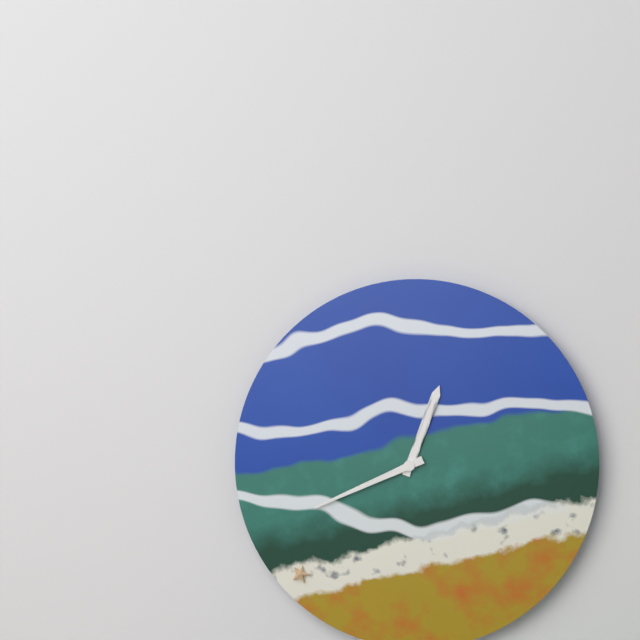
{"hour": 12, "minute": 41}
